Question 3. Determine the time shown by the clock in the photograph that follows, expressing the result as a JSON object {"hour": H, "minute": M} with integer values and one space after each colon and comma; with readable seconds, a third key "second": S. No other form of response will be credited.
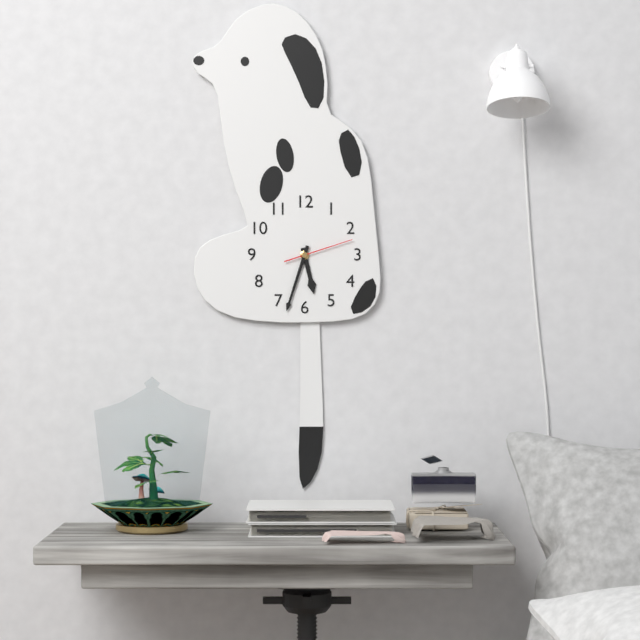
{"hour": 5, "minute": 33, "second": 12}
